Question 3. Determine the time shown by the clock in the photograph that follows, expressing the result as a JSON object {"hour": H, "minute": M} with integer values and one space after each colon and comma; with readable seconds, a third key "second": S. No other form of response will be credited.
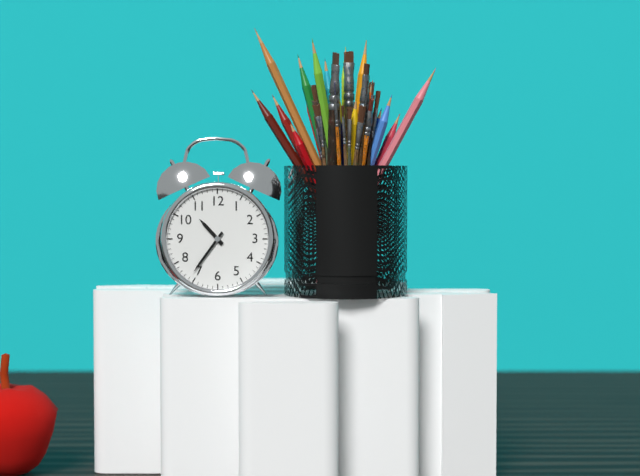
{"hour": 10, "minute": 36}
